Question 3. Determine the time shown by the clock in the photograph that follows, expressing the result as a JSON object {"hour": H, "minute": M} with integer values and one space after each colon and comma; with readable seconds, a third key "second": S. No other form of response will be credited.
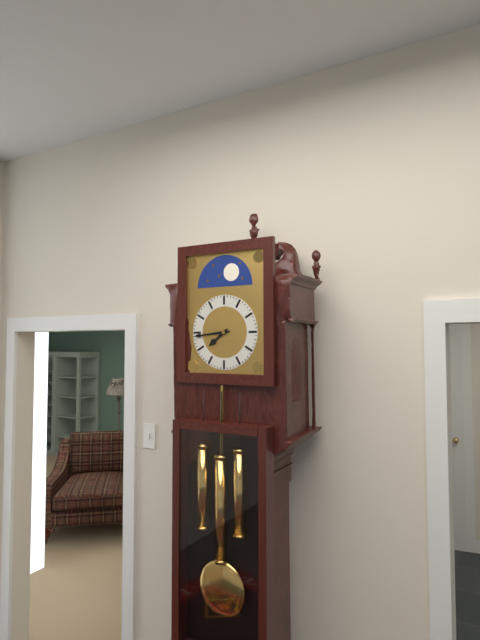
{"hour": 7, "minute": 44}
